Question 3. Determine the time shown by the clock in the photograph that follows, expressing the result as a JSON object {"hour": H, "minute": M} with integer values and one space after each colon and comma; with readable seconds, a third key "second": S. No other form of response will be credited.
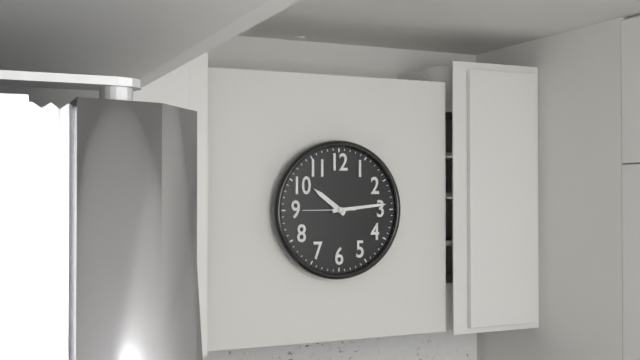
{"hour": 10, "minute": 14}
